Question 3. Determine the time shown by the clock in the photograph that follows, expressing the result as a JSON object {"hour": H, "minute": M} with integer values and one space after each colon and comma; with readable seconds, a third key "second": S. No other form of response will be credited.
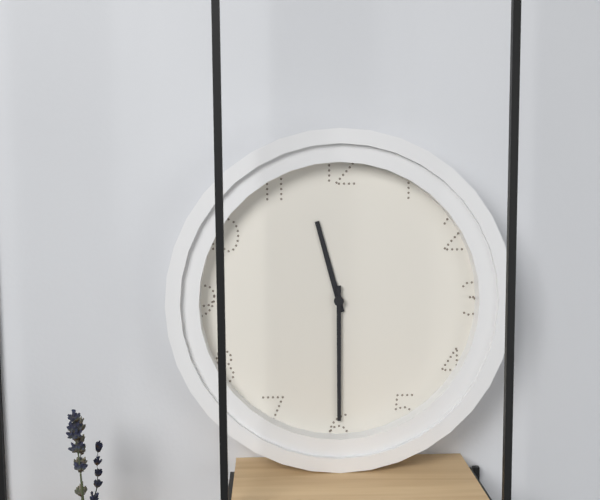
{"hour": 11, "minute": 30}
